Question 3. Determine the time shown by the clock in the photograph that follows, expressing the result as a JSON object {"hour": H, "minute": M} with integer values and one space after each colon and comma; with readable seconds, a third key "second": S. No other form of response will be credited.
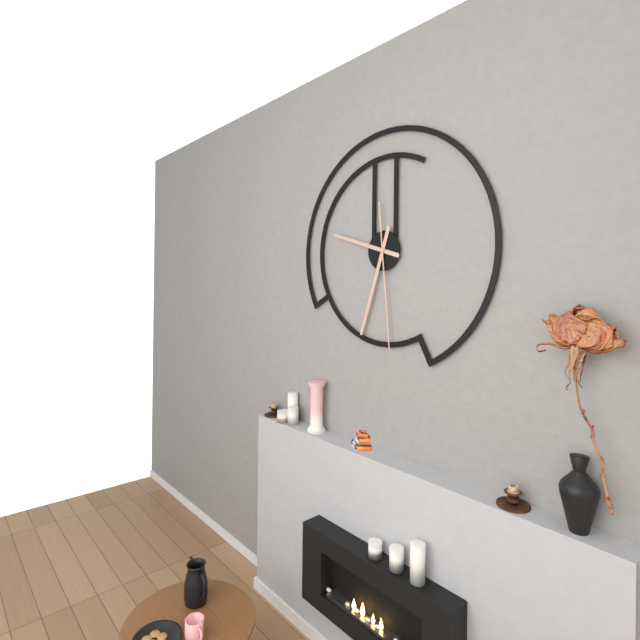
{"hour": 9, "minute": 33, "second": 29}
